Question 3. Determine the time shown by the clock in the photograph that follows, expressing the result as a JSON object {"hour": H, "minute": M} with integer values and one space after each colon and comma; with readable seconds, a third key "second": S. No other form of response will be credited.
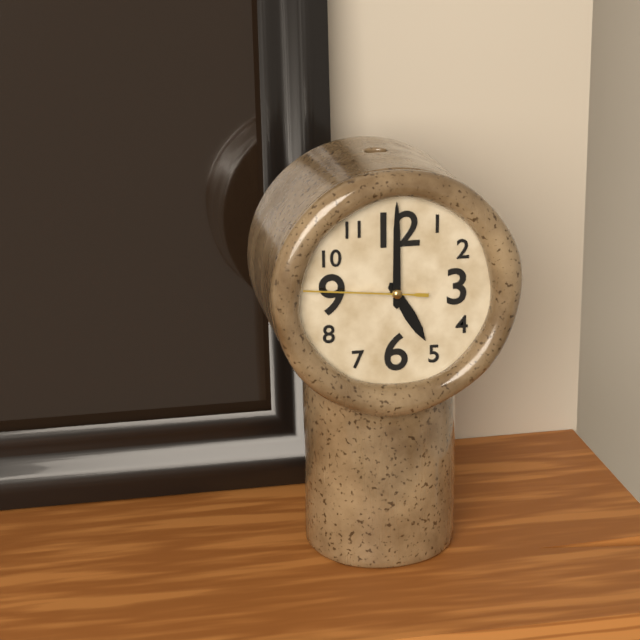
{"hour": 5, "minute": 0, "second": 46}
